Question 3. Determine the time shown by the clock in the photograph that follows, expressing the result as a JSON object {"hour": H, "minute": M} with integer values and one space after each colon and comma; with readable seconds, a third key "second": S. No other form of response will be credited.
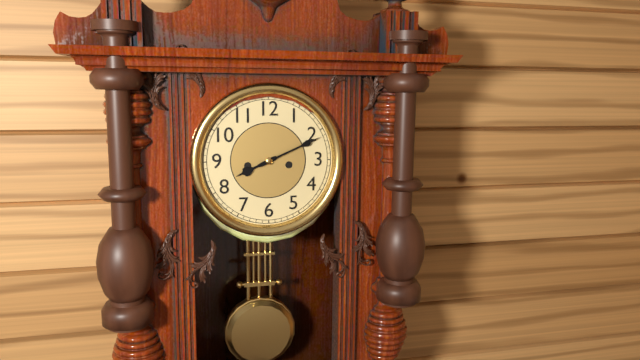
{"hour": 8, "minute": 11}
